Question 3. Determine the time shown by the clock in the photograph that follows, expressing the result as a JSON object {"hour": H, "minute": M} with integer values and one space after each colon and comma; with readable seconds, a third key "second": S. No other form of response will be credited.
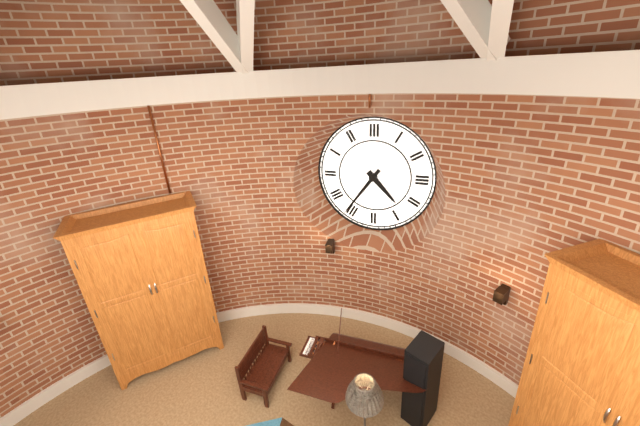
{"hour": 4, "minute": 36}
